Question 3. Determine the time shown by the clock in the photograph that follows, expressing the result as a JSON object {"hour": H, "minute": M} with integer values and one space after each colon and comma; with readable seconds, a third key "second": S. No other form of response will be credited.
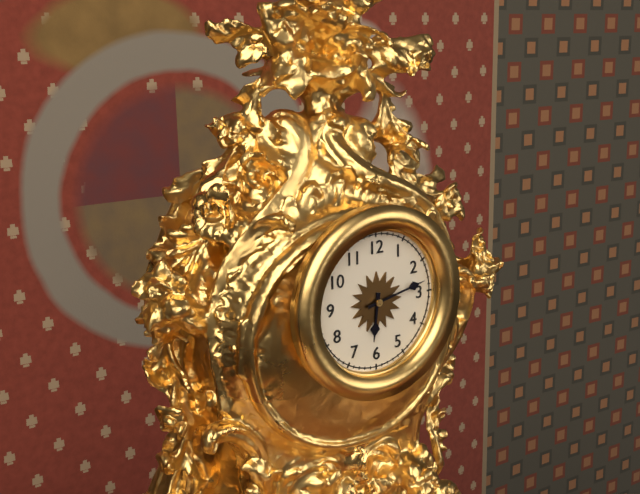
{"hour": 6, "minute": 13}
